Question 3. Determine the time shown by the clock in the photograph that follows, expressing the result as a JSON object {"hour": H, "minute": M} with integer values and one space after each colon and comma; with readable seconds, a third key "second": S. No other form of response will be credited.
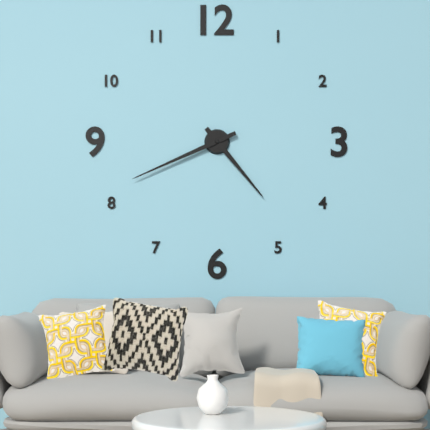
{"hour": 4, "minute": 41}
